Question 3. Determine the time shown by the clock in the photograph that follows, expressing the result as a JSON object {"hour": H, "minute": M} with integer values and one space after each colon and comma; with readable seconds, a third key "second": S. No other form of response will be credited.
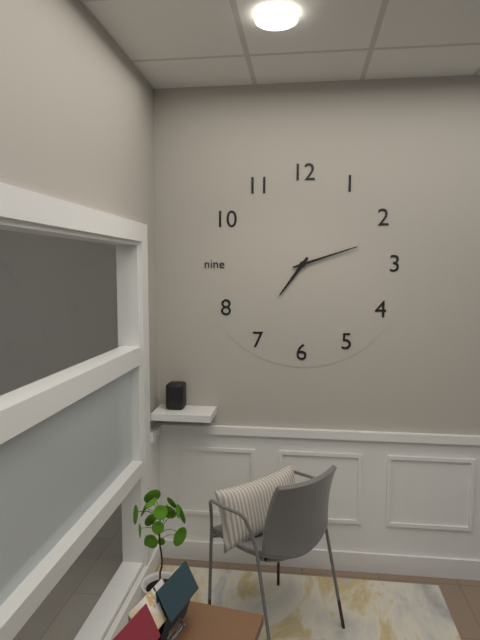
{"hour": 7, "minute": 12}
